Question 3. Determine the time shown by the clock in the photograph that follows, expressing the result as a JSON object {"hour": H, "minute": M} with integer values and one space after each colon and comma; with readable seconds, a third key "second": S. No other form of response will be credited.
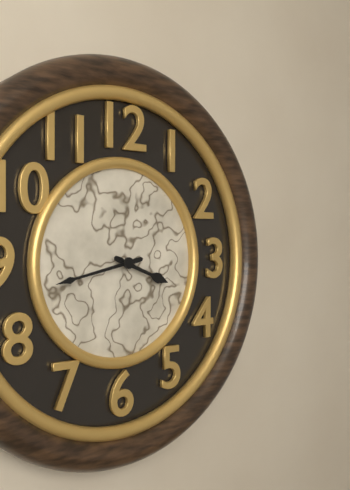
{"hour": 3, "minute": 43}
